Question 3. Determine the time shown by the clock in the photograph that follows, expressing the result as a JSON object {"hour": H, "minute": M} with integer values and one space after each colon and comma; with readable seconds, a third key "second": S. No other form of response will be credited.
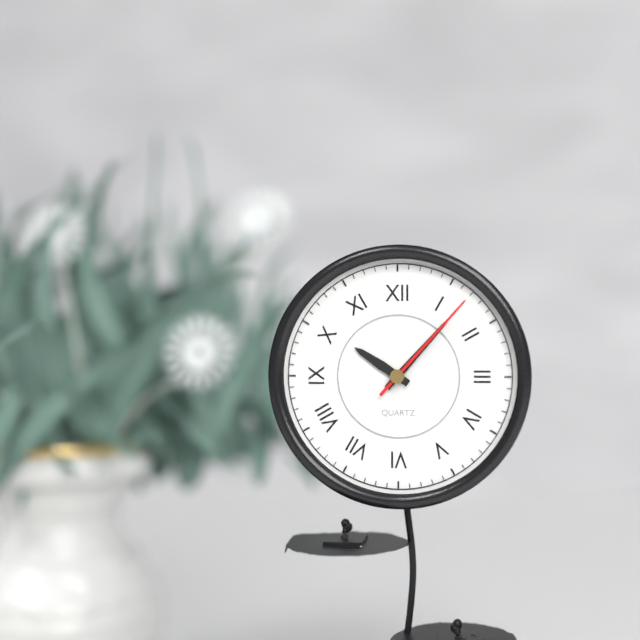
{"hour": 10, "minute": 7, "second": 7}
